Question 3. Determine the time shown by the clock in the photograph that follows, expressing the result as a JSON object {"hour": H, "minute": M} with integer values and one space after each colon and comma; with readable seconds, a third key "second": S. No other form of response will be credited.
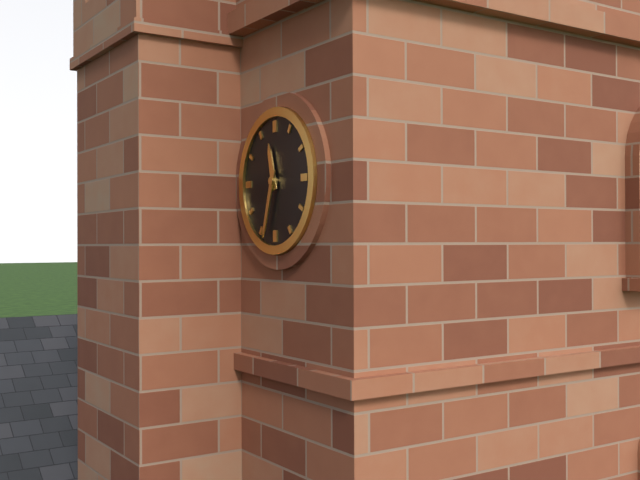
{"hour": 11, "minute": 33}
